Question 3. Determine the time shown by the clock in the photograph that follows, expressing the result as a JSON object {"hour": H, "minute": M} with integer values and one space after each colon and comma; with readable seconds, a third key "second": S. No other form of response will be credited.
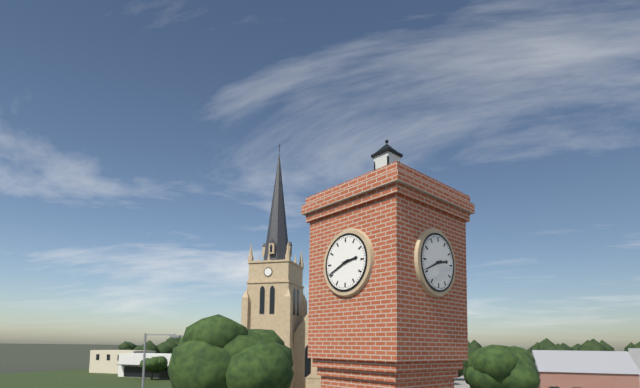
{"hour": 2, "minute": 41}
